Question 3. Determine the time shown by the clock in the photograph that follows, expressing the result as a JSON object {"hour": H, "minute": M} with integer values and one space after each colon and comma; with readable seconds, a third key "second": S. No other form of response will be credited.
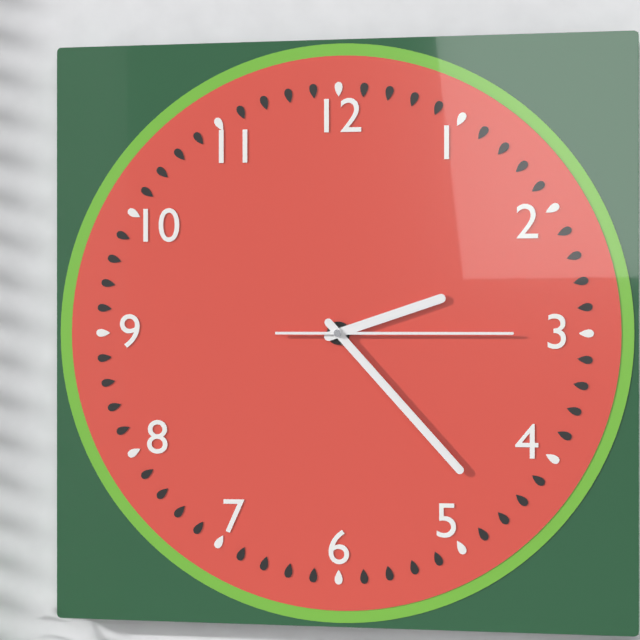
{"hour": 2, "minute": 23, "second": 15}
